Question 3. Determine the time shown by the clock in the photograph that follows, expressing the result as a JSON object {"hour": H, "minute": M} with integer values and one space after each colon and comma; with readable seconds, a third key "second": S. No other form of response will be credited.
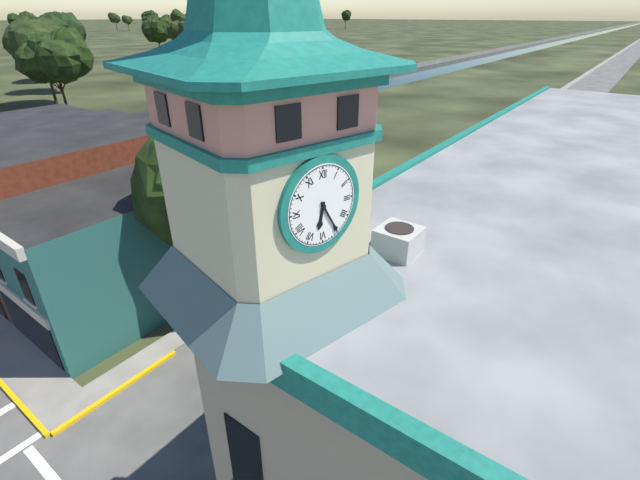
{"hour": 6, "minute": 25}
